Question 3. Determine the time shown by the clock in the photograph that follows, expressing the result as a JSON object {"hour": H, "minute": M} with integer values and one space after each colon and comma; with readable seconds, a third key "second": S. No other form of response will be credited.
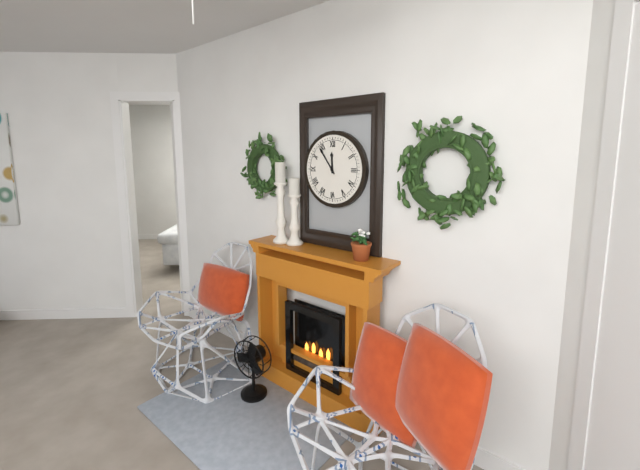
{"hour": 11, "minute": 54}
